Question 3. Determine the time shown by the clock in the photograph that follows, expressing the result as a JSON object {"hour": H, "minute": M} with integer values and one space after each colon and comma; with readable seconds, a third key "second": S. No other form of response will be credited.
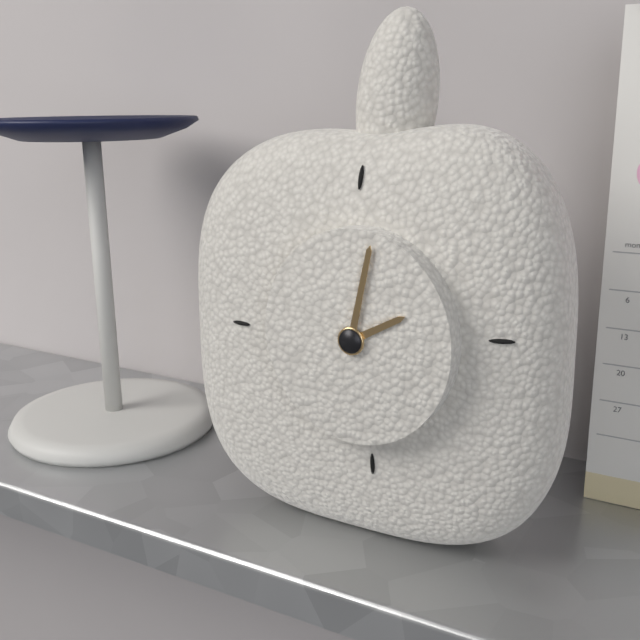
{"hour": 2, "minute": 2}
